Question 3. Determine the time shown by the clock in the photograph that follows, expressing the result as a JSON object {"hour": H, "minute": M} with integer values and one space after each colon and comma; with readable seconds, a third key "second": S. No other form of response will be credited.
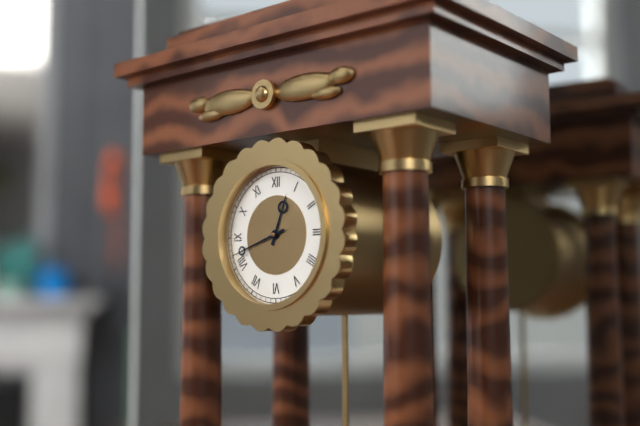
{"hour": 12, "minute": 42}
